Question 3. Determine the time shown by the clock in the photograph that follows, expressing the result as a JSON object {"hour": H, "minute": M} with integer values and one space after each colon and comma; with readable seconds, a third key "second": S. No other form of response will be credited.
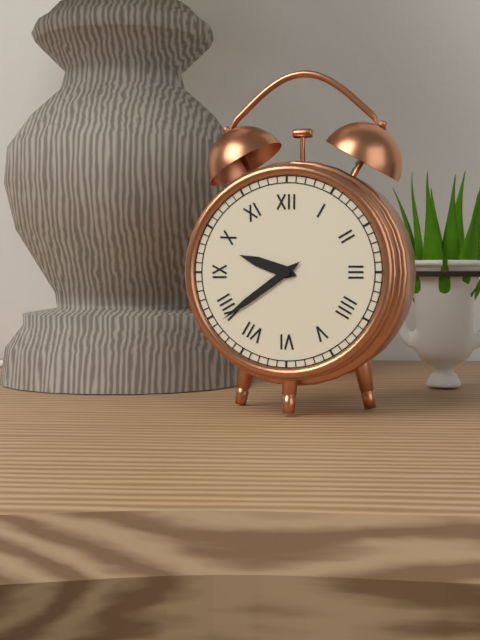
{"hour": 9, "minute": 39}
